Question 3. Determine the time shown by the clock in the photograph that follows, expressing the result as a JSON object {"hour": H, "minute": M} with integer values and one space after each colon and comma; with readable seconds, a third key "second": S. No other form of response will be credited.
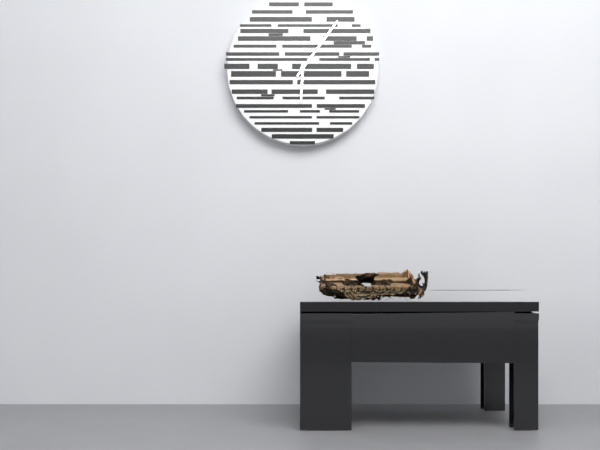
{"hour": 6, "minute": 6}
